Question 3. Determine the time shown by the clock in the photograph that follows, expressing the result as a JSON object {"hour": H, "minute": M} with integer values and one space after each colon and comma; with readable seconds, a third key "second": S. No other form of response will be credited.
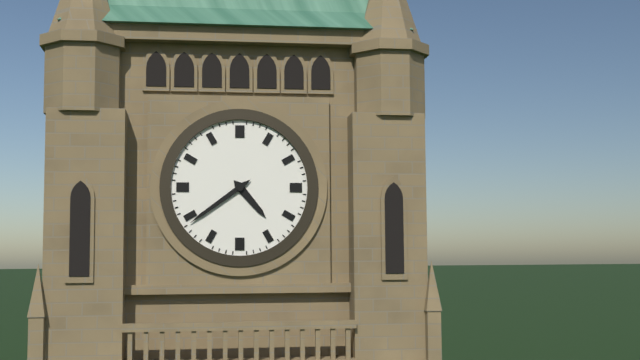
{"hour": 4, "minute": 39}
